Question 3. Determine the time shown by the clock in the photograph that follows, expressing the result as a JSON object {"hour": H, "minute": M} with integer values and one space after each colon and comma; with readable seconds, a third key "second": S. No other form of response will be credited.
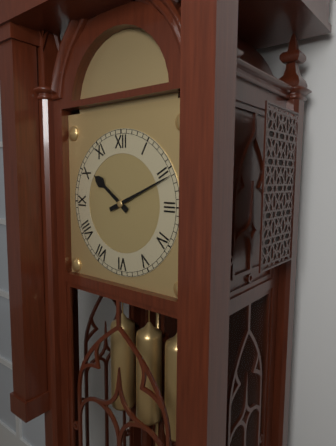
{"hour": 10, "minute": 11}
